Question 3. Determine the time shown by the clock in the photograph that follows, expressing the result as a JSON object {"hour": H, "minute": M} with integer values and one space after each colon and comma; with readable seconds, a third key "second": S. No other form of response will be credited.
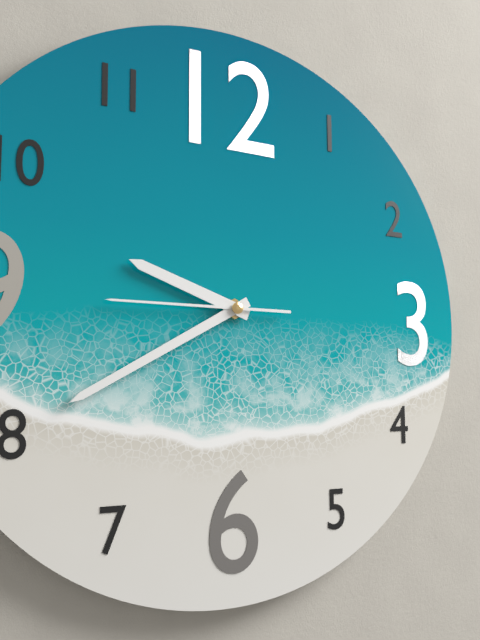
{"hour": 9, "minute": 40, "second": 45}
